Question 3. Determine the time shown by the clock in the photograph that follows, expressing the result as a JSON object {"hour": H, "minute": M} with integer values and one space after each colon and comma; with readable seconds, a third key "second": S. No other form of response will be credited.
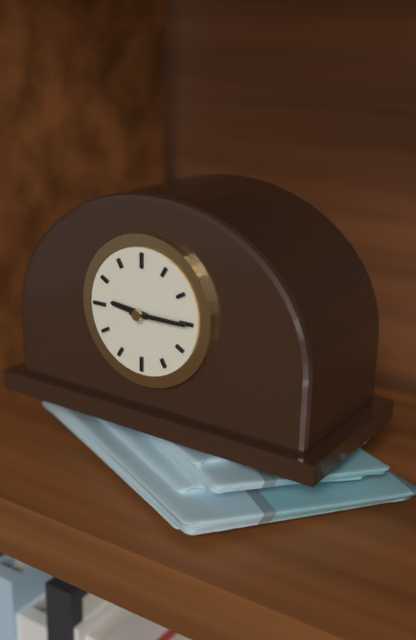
{"hour": 9, "minute": 15}
